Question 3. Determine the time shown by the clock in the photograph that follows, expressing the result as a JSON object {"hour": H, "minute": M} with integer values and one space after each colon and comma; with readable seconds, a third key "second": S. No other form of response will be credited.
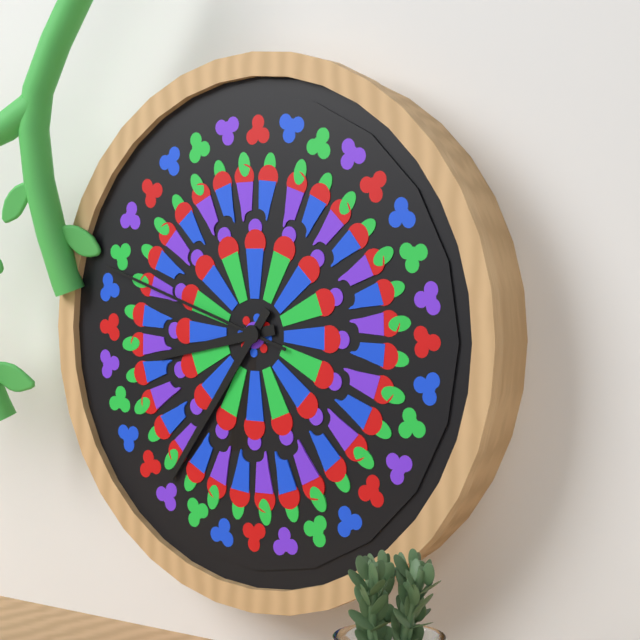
{"hour": 8, "minute": 36, "second": 48}
